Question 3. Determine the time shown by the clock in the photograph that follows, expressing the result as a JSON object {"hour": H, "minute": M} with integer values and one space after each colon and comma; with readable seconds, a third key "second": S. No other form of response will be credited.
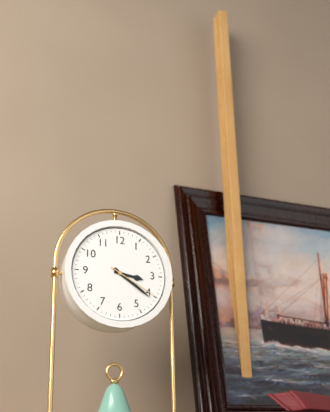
{"hour": 3, "minute": 21, "second": 20}
